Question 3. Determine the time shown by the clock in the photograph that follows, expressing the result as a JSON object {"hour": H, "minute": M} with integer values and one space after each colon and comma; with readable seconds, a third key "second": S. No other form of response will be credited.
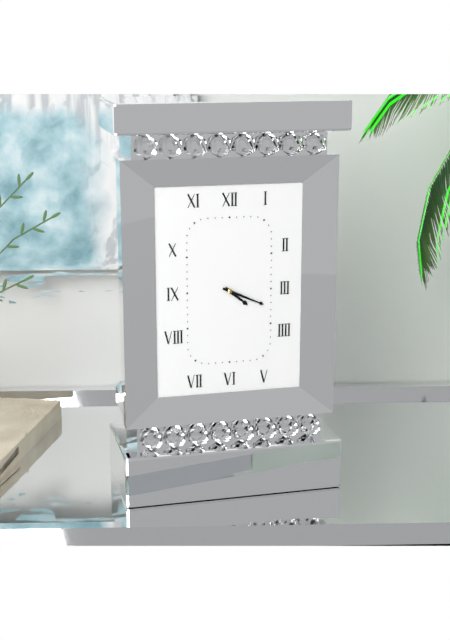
{"hour": 4, "minute": 19}
